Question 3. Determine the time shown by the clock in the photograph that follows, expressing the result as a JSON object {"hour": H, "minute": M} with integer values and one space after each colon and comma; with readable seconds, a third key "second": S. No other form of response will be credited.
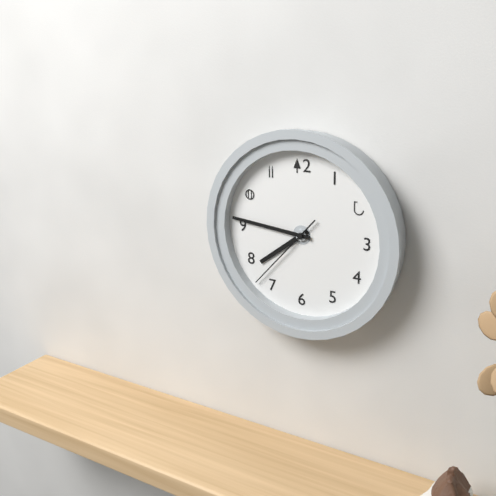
{"hour": 7, "minute": 46, "second": 37}
